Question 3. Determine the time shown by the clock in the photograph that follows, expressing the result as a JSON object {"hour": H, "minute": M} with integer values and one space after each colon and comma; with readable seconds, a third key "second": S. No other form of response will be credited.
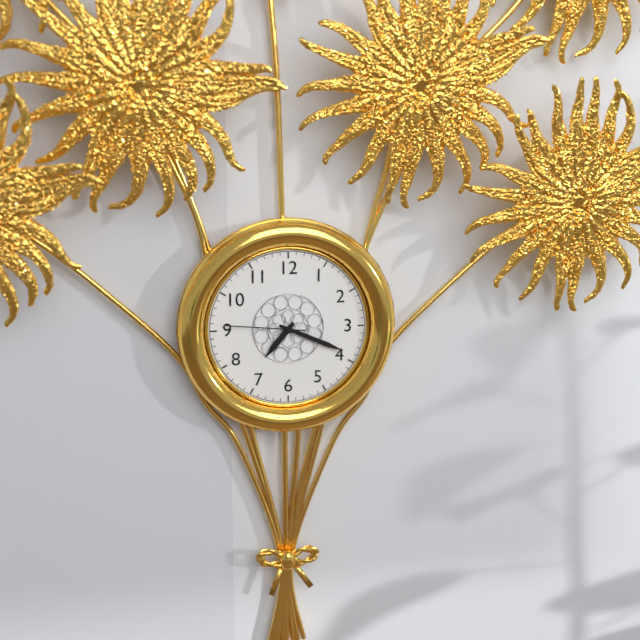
{"hour": 7, "minute": 19, "second": 46}
